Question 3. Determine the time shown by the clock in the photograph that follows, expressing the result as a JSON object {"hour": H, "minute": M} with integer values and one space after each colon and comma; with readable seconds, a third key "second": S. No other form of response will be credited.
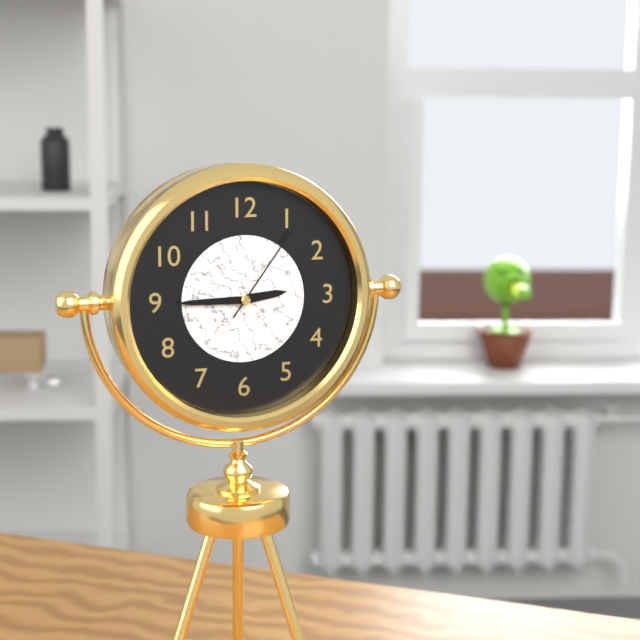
{"hour": 2, "minute": 45, "second": 6}
